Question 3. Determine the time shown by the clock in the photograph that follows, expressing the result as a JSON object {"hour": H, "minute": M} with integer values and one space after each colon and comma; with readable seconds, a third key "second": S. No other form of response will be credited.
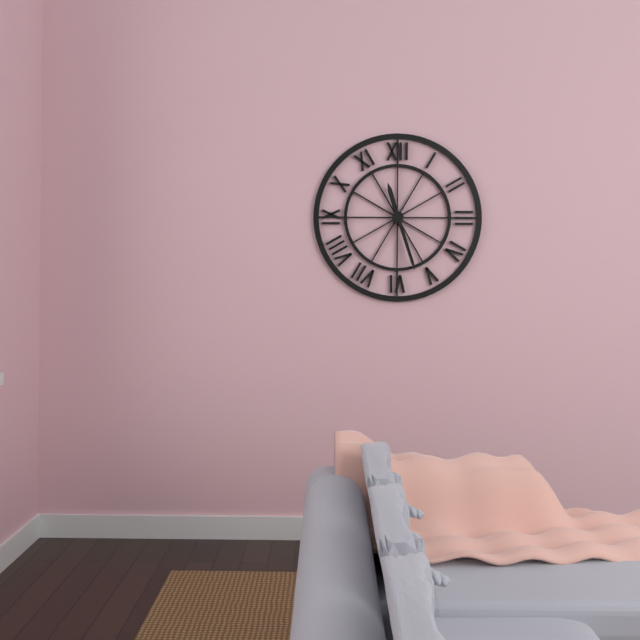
{"hour": 11, "minute": 27}
